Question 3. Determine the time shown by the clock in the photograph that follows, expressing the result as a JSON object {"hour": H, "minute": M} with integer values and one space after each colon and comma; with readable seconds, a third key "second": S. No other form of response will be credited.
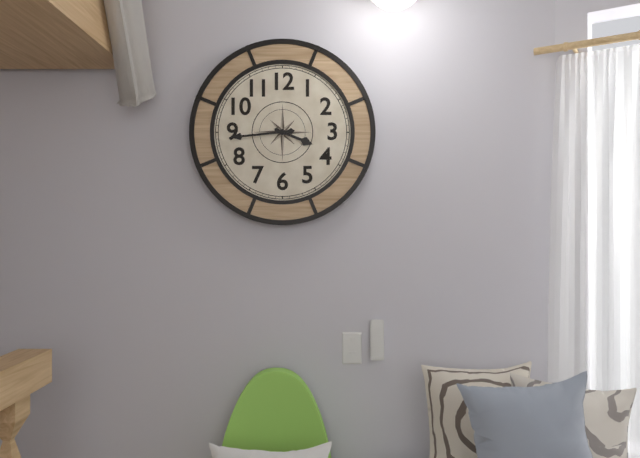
{"hour": 3, "minute": 44}
